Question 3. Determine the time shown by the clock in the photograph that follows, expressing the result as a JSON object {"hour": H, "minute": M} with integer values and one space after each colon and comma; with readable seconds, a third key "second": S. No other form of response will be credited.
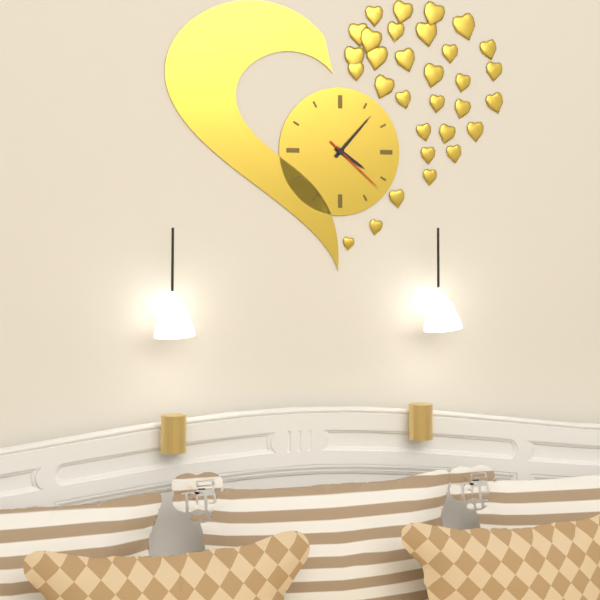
{"hour": 4, "minute": 7, "second": 22}
